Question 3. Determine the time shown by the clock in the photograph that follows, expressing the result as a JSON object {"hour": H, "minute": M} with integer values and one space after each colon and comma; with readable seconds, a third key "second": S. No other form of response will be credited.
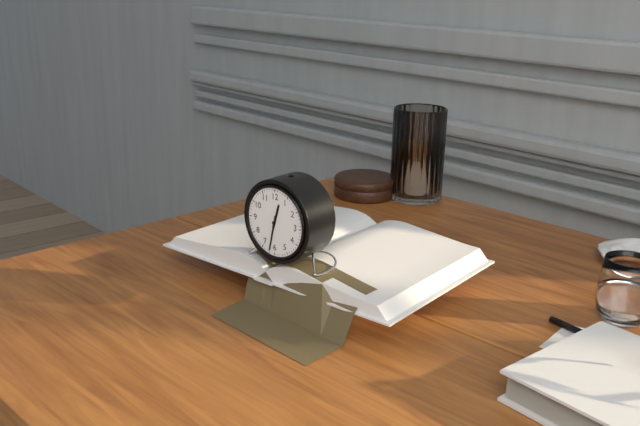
{"hour": 12, "minute": 32}
